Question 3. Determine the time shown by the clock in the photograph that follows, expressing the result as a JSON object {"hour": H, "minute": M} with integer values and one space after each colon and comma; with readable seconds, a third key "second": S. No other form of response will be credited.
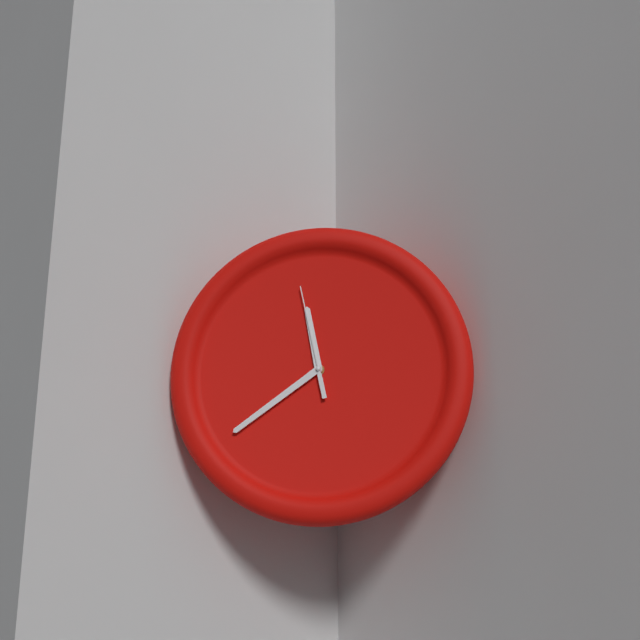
{"hour": 11, "minute": 39, "second": 58}
